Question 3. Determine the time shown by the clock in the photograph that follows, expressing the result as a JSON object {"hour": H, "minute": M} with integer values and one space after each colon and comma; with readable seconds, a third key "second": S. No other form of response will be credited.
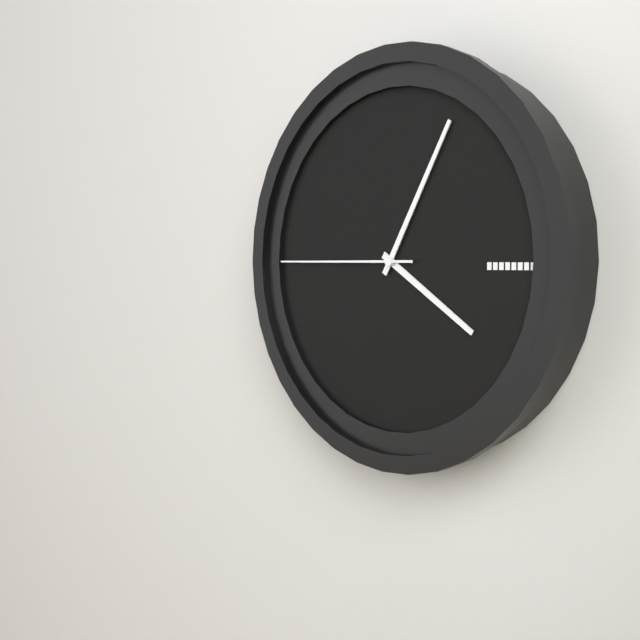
{"hour": 4, "minute": 5, "second": 45}
